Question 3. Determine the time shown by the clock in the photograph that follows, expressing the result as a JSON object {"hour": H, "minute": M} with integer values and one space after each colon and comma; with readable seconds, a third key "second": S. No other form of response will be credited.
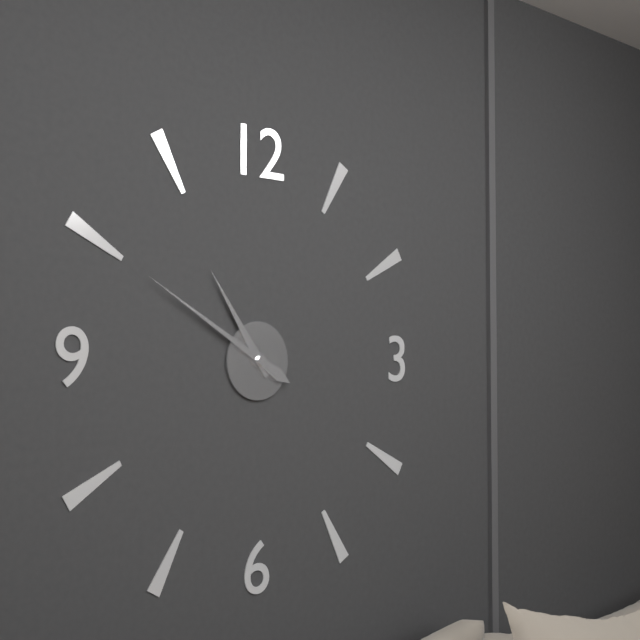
{"hour": 10, "minute": 50}
